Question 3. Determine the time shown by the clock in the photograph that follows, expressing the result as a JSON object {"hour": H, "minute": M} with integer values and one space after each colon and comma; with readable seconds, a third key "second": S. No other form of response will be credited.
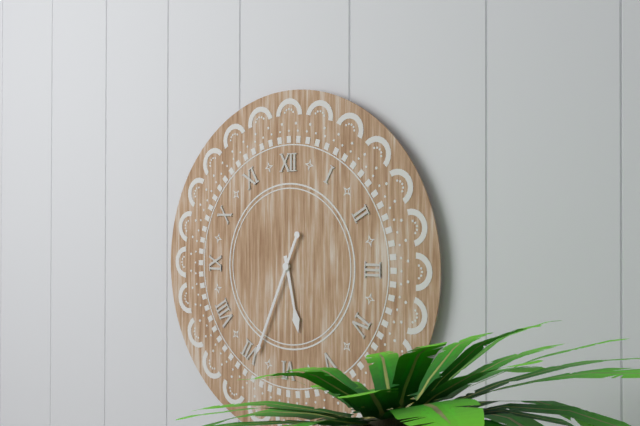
{"hour": 5, "minute": 34}
